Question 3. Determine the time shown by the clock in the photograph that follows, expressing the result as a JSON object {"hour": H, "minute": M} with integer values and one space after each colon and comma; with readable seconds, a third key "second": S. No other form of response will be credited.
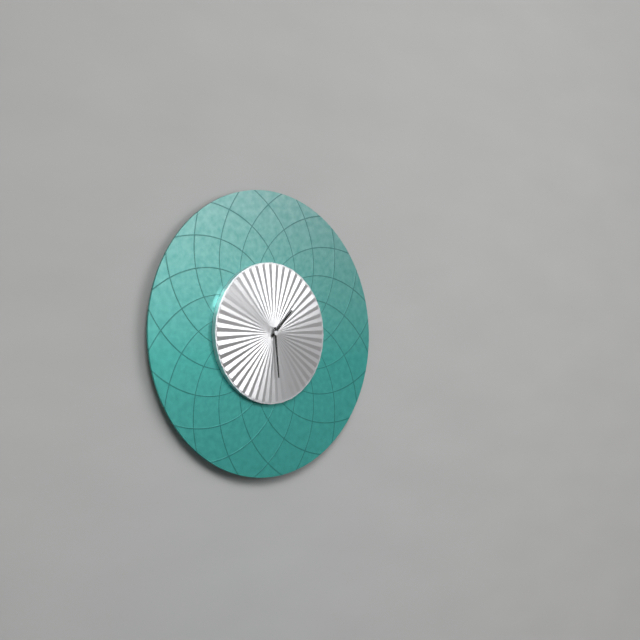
{"hour": 1, "minute": 29}
